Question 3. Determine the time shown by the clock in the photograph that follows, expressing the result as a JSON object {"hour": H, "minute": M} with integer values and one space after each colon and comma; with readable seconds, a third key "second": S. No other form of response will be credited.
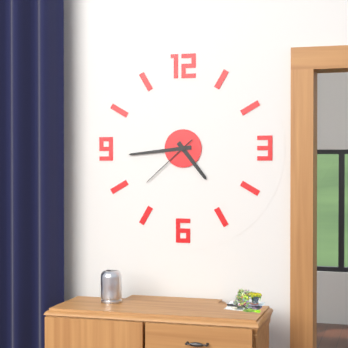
{"hour": 4, "minute": 44, "second": 38}
